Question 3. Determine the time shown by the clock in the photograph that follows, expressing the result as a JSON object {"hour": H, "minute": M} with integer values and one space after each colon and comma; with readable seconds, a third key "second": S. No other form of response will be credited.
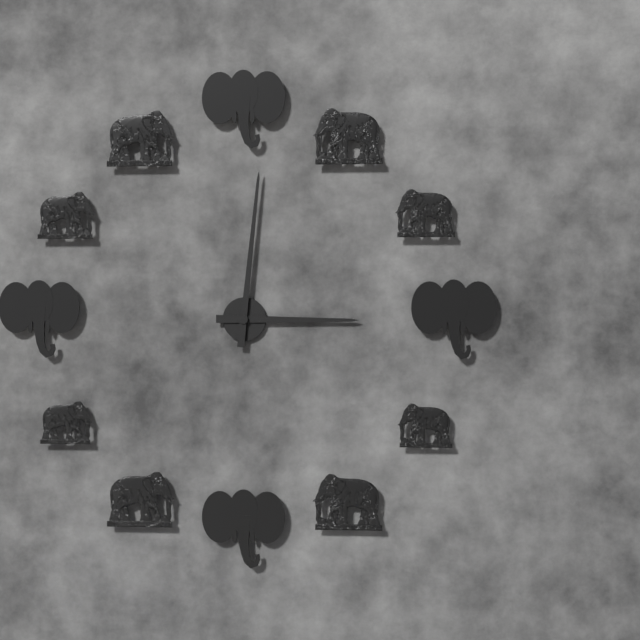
{"hour": 3, "minute": 1}
